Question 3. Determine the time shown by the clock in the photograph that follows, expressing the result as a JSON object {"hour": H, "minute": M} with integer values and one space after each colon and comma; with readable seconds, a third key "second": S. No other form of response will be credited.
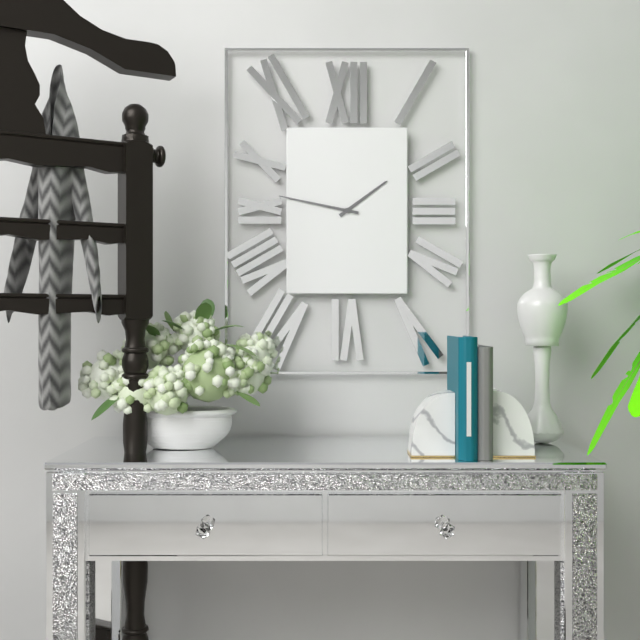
{"hour": 1, "minute": 47}
